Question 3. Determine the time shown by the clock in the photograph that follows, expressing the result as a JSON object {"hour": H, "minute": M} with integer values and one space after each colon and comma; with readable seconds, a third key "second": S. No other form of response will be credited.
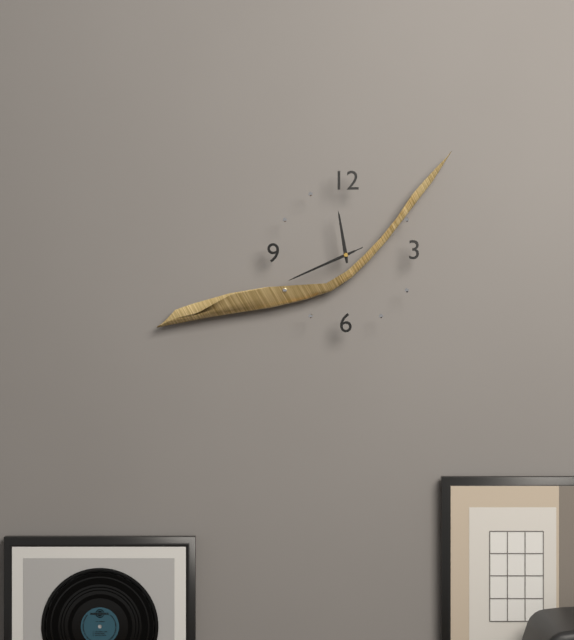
{"hour": 11, "minute": 41, "second": 41}
